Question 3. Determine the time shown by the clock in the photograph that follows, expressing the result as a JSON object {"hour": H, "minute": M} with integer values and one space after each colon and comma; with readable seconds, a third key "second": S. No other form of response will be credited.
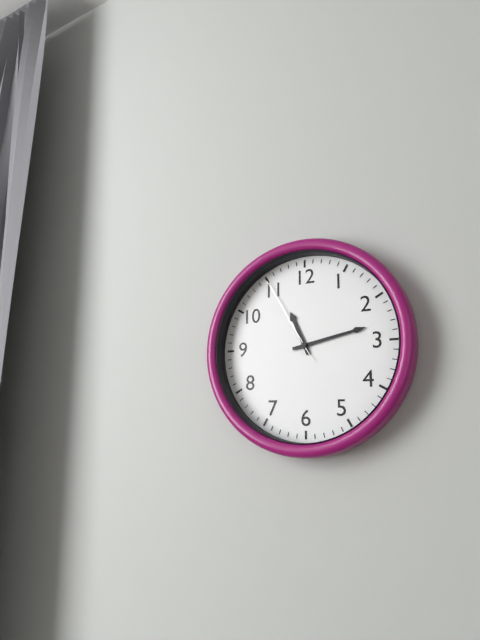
{"hour": 11, "minute": 13, "second": 55}
